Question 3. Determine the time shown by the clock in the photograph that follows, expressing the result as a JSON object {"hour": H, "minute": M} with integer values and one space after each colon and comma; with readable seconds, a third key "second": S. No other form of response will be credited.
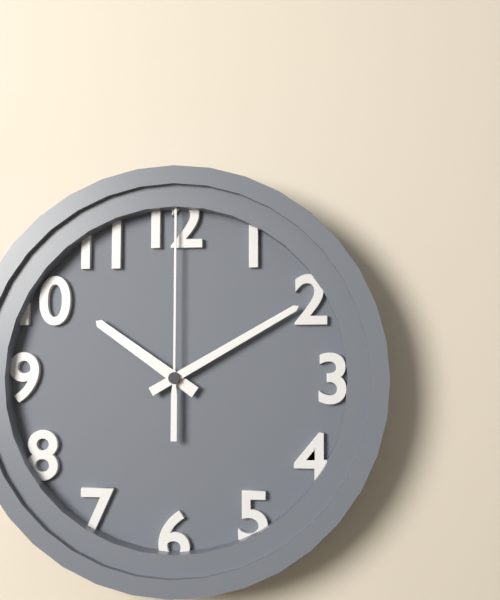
{"hour": 10, "minute": 10, "second": 0}
